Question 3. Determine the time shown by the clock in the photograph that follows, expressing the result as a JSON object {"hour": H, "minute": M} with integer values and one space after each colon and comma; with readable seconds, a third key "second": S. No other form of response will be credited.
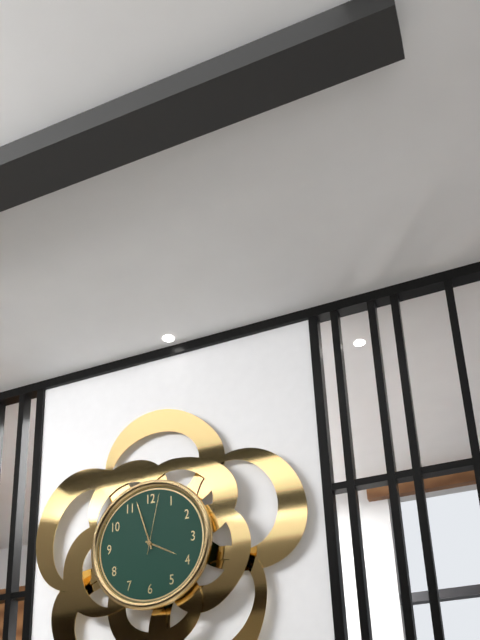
{"hour": 3, "minute": 57, "second": 2}
